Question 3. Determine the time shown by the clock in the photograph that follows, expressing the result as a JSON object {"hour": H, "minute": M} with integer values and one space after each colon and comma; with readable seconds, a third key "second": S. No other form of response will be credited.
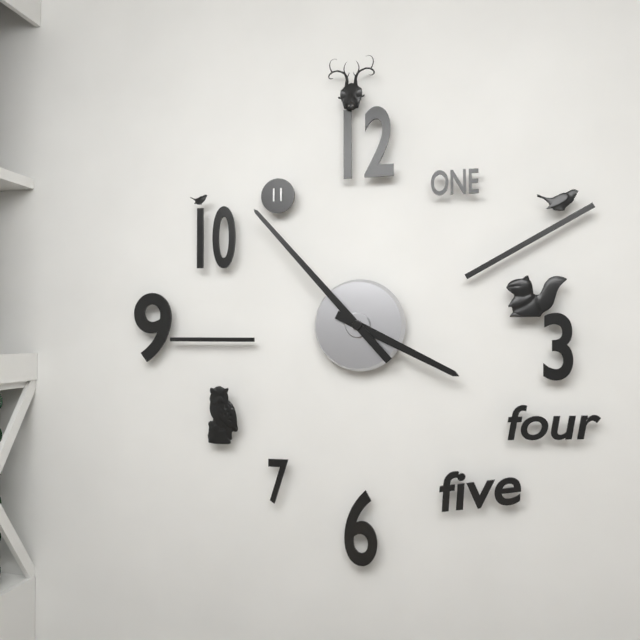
{"hour": 3, "minute": 53}
